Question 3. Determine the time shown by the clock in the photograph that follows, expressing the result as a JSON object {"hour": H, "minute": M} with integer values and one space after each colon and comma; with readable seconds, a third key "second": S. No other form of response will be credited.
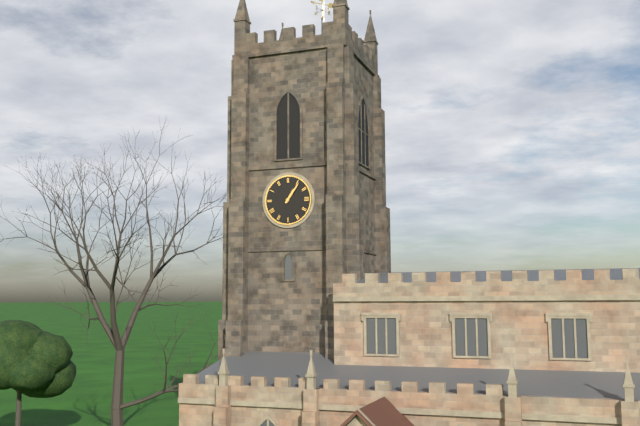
{"hour": 1, "minute": 6}
